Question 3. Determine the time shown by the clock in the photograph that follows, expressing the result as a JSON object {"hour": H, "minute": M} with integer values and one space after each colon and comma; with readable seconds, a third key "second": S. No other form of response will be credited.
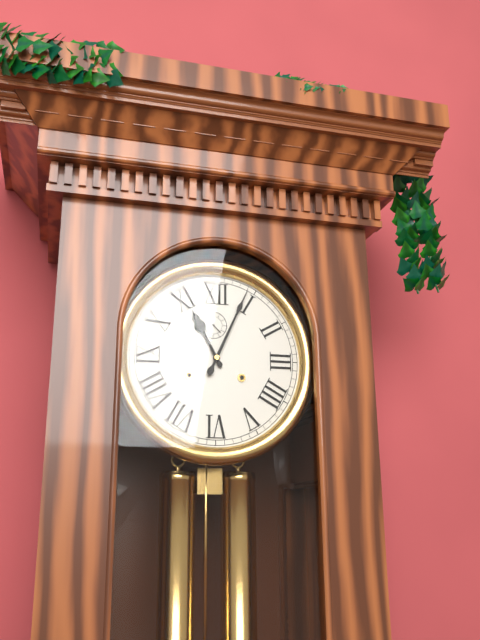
{"hour": 11, "minute": 4}
